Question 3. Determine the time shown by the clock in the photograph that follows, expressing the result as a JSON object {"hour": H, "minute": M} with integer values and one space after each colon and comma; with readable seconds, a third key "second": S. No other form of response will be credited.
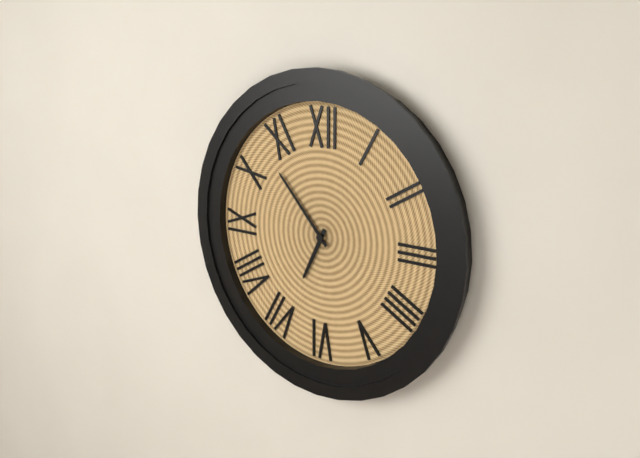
{"hour": 6, "minute": 53}
